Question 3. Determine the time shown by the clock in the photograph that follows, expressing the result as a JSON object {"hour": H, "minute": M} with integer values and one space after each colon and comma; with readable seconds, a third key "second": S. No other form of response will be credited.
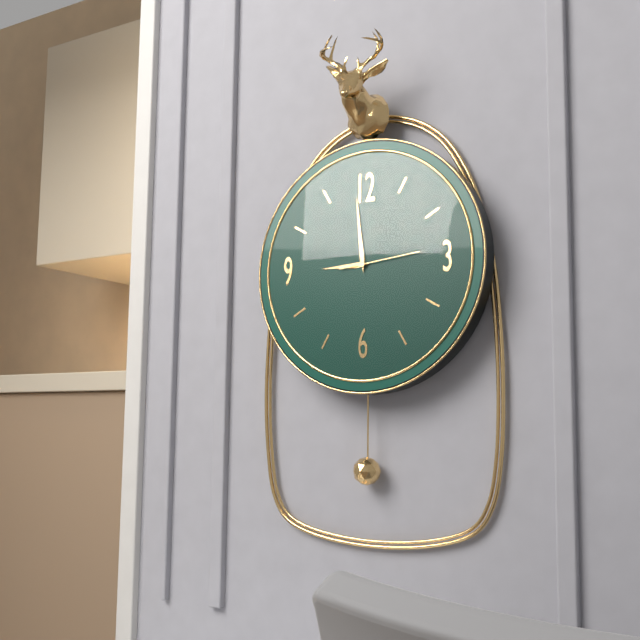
{"hour": 8, "minute": 59, "second": 14}
